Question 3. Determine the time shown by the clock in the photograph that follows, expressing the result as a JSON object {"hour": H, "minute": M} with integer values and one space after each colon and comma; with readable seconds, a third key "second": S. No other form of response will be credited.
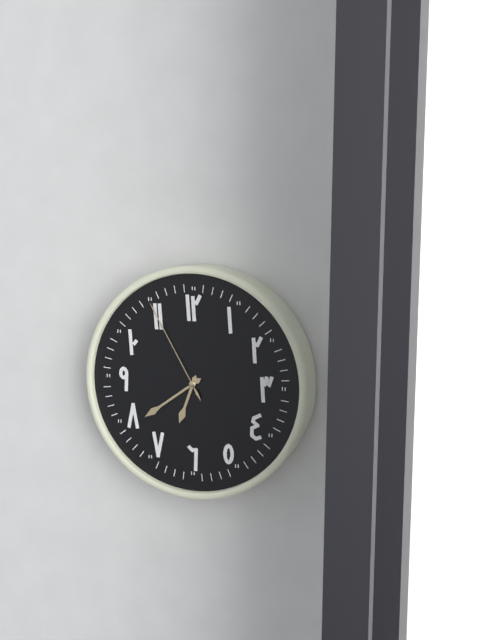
{"hour": 6, "minute": 39, "second": 55}
